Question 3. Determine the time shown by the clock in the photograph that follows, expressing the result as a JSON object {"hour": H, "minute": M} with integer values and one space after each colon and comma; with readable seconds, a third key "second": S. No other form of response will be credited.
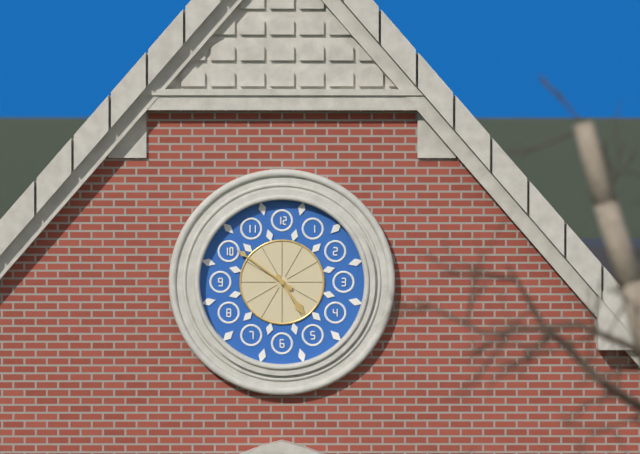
{"hour": 4, "minute": 51}
